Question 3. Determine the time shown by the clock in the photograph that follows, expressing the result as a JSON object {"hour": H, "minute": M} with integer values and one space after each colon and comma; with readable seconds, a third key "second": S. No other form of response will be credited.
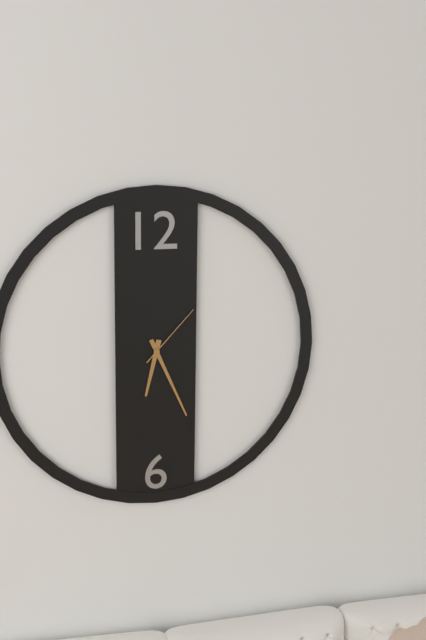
{"hour": 6, "minute": 26, "second": 7}
